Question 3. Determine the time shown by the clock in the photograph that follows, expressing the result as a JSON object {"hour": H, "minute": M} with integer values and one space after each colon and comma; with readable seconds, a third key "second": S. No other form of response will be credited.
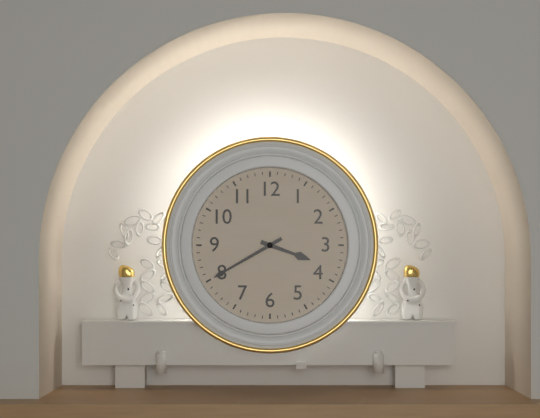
{"hour": 3, "minute": 40}
